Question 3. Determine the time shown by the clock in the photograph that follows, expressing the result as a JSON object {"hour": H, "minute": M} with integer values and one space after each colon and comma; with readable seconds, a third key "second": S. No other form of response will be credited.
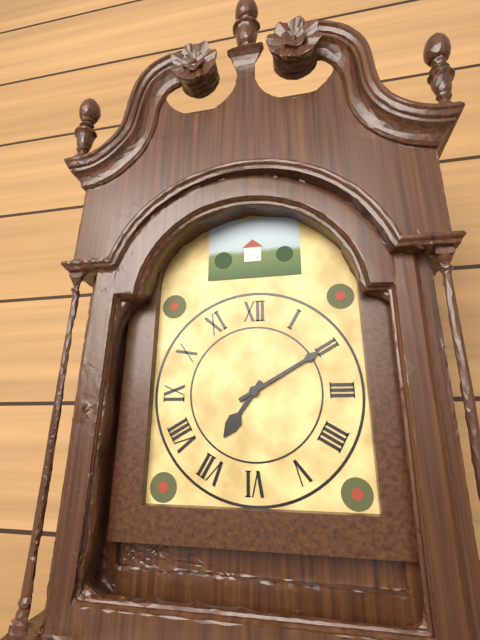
{"hour": 7, "minute": 10}
